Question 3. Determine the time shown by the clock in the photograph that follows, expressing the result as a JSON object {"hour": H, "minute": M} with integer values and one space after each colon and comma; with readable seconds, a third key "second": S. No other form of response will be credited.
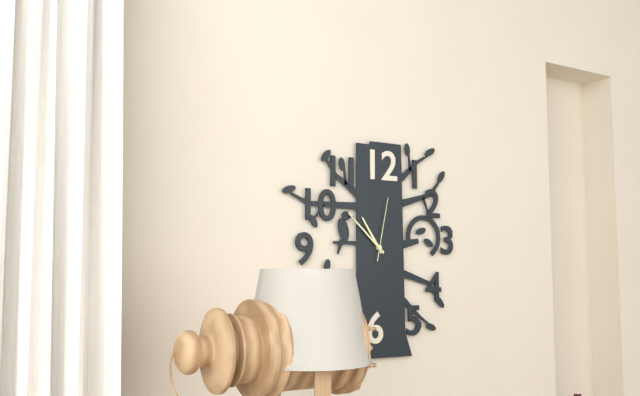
{"hour": 10, "minute": 52, "second": 2}
